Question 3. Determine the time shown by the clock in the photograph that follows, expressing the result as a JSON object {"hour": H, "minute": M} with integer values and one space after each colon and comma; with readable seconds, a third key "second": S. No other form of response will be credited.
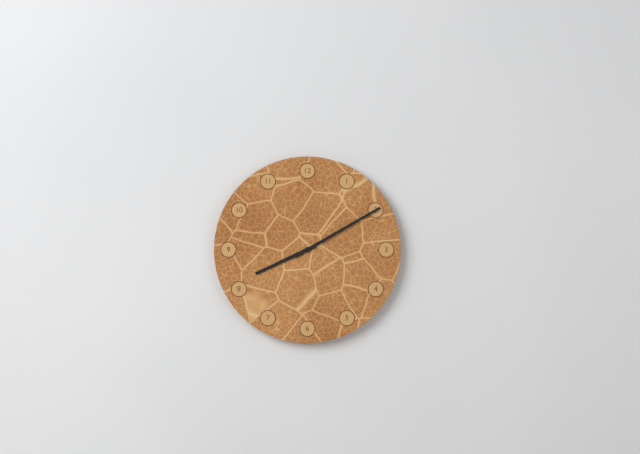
{"hour": 8, "minute": 10}
